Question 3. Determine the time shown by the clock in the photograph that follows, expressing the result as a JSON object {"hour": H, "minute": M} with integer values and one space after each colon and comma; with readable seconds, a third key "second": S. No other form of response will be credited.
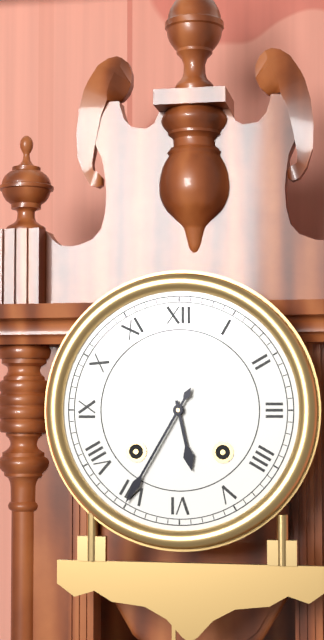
{"hour": 5, "minute": 35}
